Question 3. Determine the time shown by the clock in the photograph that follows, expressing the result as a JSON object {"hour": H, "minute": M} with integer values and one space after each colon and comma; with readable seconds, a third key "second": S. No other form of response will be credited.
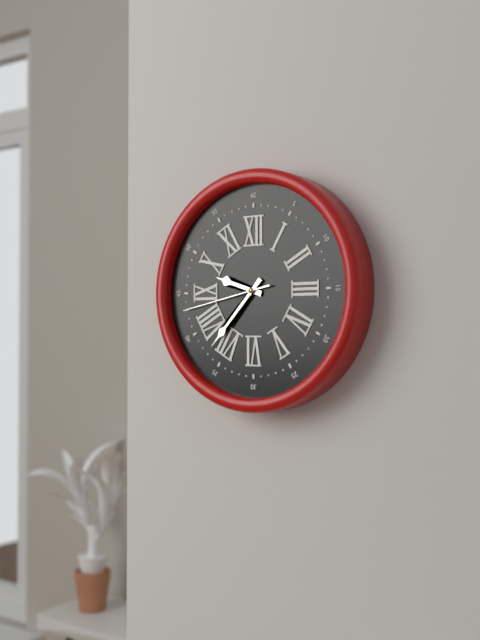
{"hour": 9, "minute": 37, "second": 43}
